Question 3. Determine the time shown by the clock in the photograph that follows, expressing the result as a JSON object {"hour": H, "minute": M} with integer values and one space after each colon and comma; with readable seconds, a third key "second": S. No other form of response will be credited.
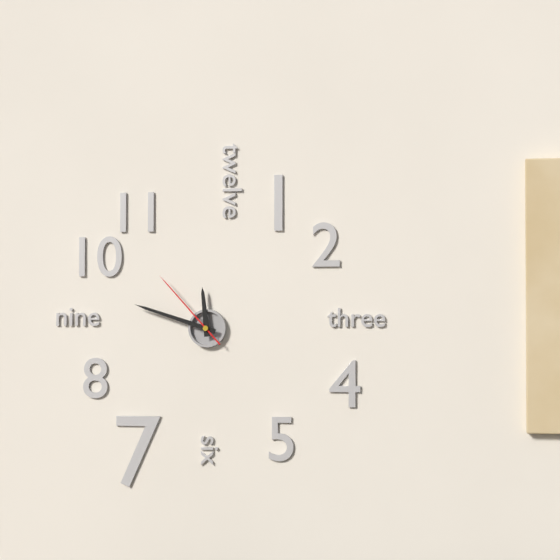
{"hour": 11, "minute": 48, "second": 53}
